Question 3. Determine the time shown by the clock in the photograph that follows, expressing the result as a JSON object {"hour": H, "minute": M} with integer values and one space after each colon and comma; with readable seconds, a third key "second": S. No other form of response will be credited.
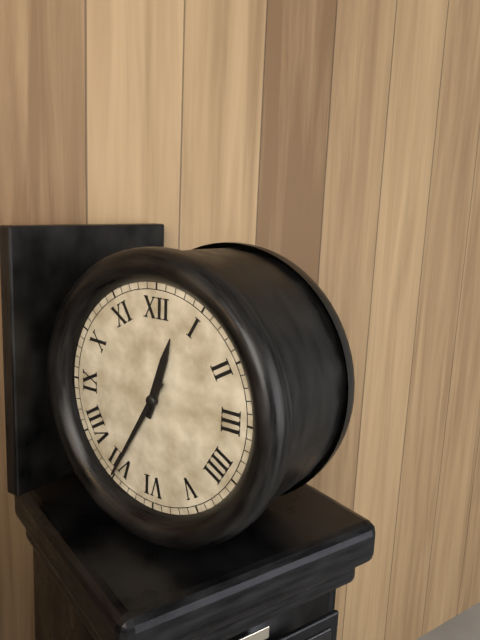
{"hour": 12, "minute": 35}
